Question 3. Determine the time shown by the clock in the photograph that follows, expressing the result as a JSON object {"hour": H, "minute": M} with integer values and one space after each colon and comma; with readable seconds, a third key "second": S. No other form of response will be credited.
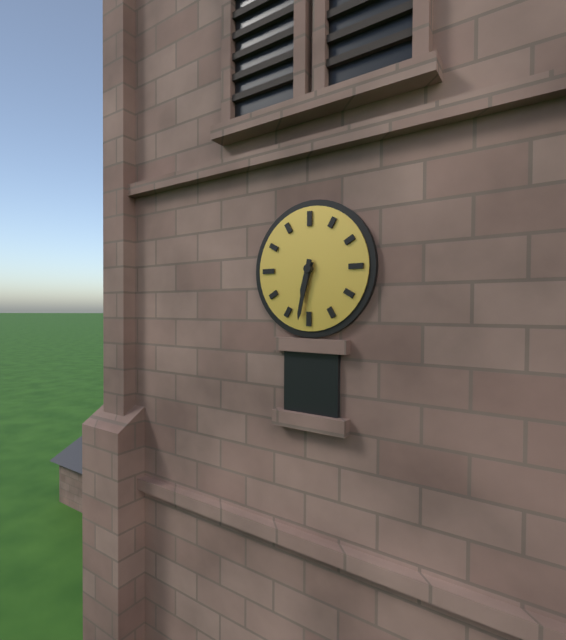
{"hour": 6, "minute": 32}
